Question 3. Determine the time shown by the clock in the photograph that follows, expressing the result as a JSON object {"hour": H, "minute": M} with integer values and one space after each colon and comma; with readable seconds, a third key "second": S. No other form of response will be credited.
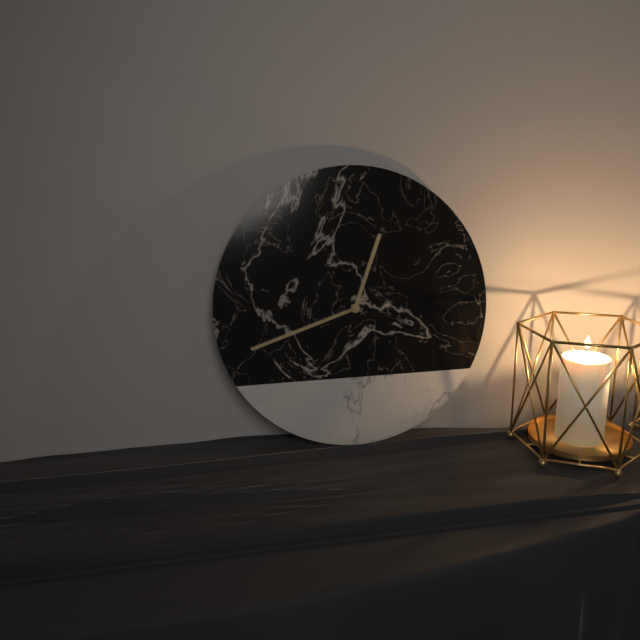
{"hour": 12, "minute": 42}
